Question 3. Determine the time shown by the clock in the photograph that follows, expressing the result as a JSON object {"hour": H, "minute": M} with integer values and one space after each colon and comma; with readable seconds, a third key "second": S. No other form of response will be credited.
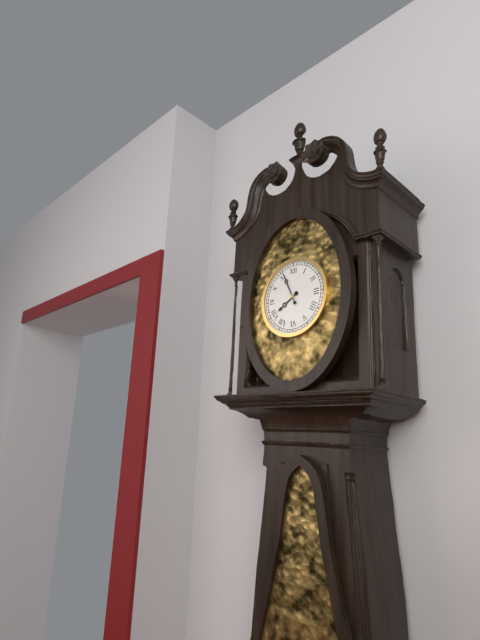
{"hour": 7, "minute": 56}
